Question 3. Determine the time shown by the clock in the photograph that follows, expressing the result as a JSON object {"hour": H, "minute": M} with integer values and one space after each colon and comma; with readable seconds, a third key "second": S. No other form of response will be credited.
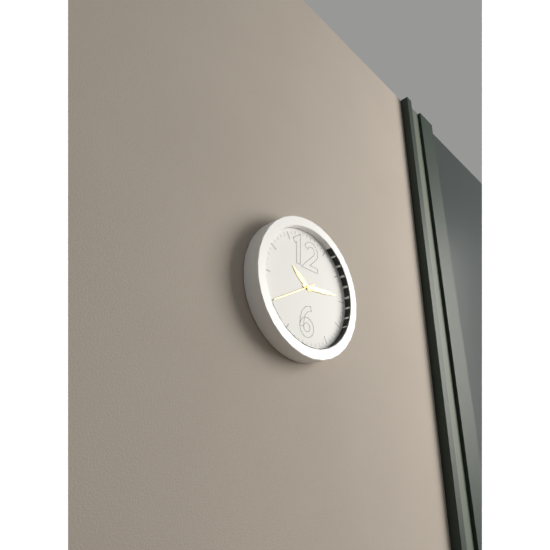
{"hour": 10, "minute": 14}
